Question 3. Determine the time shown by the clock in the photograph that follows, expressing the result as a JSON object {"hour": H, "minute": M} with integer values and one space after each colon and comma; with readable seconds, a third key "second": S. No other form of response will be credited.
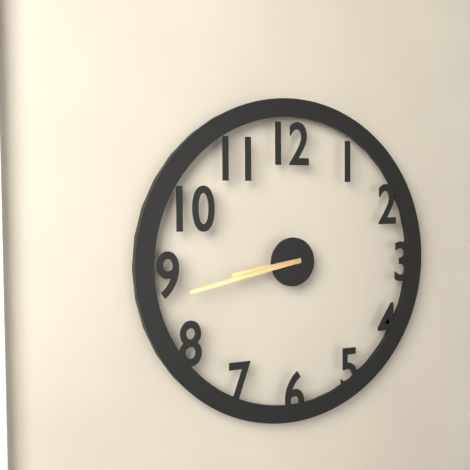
{"hour": 8, "minute": 43}
